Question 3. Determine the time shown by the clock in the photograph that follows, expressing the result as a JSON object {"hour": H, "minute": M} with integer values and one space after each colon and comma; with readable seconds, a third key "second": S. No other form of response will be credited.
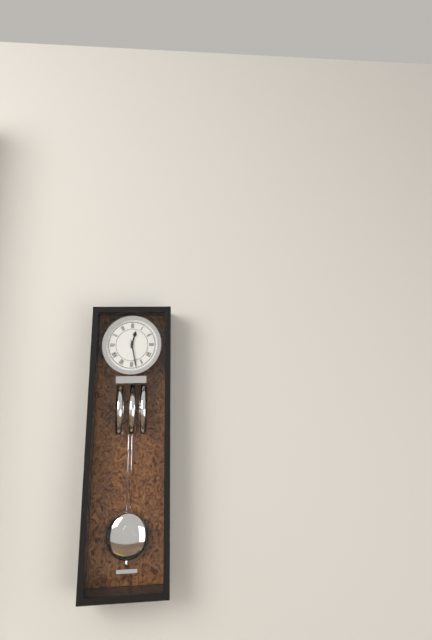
{"hour": 12, "minute": 28}
